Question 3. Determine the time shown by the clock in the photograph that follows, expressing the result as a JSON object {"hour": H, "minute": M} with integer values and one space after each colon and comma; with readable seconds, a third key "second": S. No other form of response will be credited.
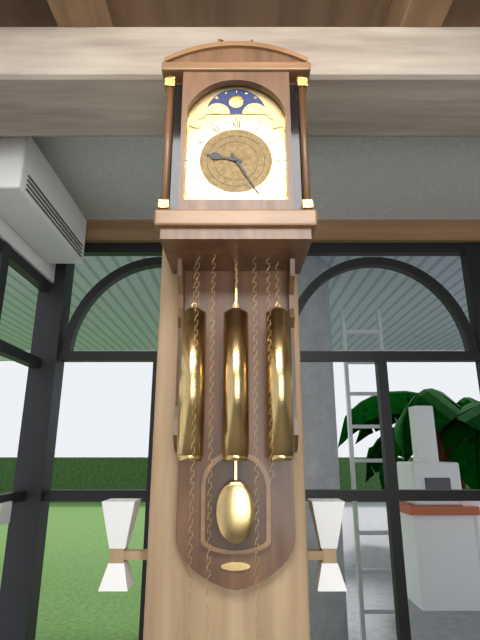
{"hour": 9, "minute": 25}
